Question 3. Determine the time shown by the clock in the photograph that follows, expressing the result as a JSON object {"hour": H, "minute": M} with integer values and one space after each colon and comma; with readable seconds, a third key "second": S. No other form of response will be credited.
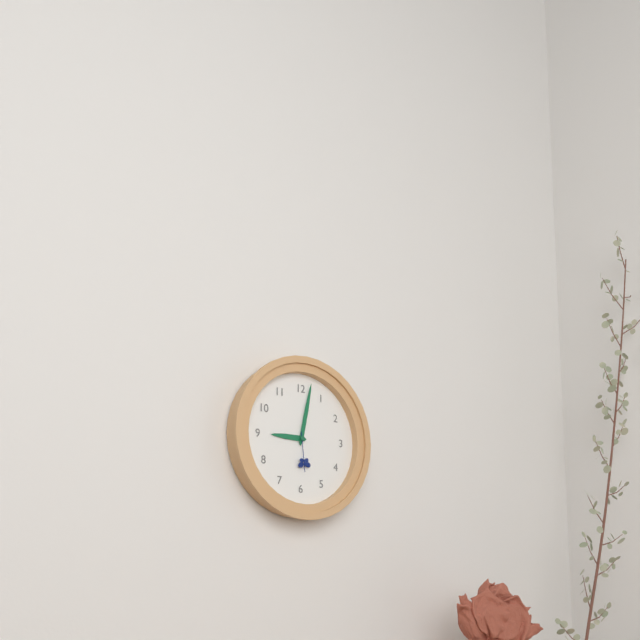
{"hour": 9, "minute": 2}
